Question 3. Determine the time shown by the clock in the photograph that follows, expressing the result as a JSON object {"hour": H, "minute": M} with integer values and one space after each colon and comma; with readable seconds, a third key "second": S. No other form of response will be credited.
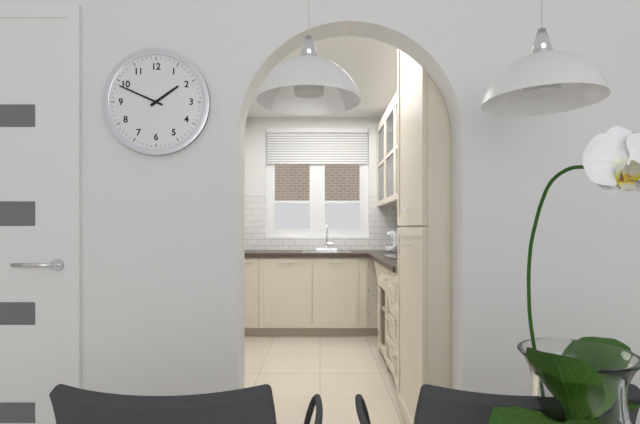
{"hour": 1, "minute": 49}
